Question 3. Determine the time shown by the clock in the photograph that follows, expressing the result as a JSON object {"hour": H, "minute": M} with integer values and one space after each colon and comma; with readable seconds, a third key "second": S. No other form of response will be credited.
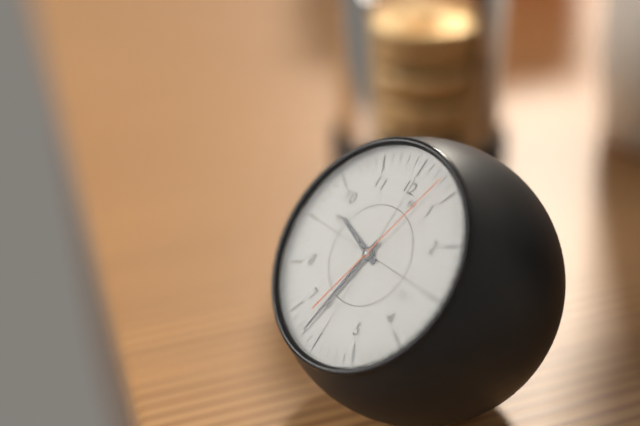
{"hour": 9, "minute": 32, "second": 3}
